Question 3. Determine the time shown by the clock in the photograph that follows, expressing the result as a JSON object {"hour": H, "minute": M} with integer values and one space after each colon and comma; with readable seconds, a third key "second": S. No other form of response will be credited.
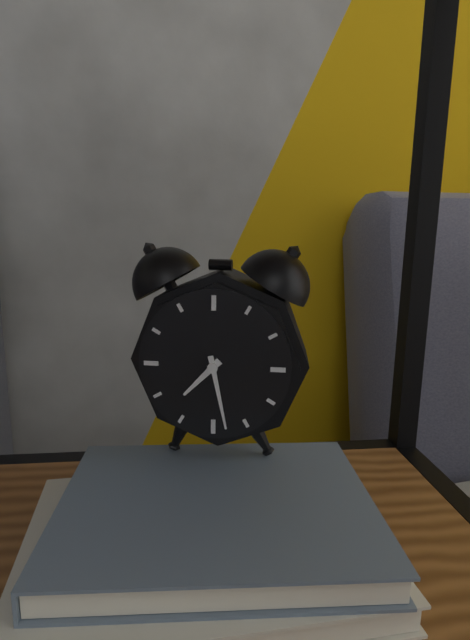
{"hour": 7, "minute": 28}
